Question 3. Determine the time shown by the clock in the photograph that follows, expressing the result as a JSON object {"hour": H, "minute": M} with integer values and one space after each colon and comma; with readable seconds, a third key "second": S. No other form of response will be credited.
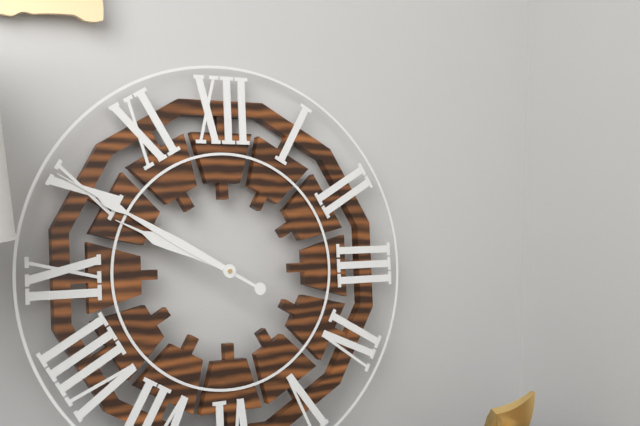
{"hour": 9, "minute": 50}
